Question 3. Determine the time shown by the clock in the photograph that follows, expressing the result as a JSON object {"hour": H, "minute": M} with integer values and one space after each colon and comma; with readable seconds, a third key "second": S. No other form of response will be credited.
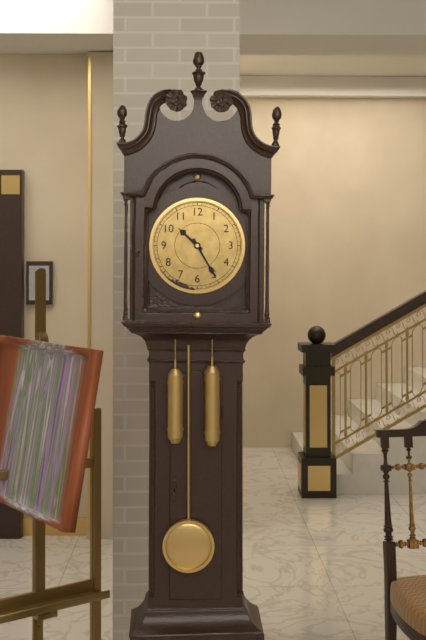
{"hour": 10, "minute": 25}
